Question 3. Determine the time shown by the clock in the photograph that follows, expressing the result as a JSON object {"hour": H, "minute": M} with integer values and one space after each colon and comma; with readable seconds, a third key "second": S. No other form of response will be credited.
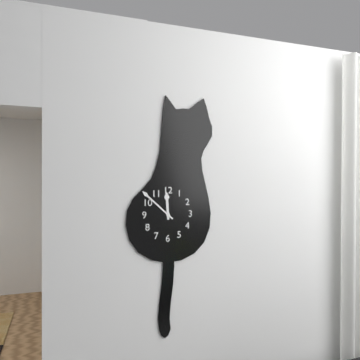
{"hour": 11, "minute": 52}
